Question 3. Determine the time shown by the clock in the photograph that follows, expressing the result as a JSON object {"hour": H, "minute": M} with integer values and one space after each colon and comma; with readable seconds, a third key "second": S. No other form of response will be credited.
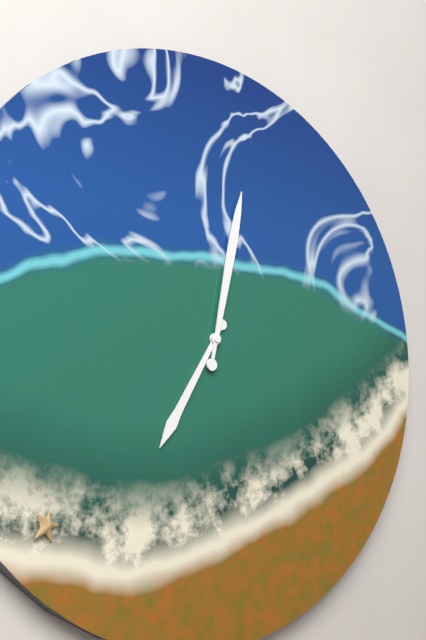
{"hour": 7, "minute": 2}
